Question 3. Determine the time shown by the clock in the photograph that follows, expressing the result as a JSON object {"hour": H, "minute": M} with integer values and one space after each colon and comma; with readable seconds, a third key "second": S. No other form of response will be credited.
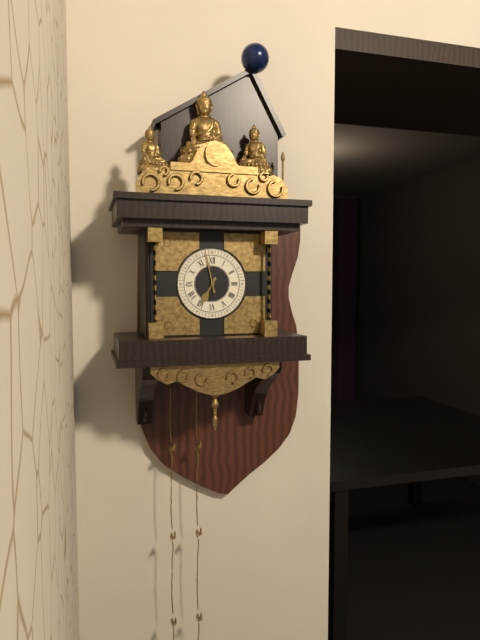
{"hour": 6, "minute": 58}
